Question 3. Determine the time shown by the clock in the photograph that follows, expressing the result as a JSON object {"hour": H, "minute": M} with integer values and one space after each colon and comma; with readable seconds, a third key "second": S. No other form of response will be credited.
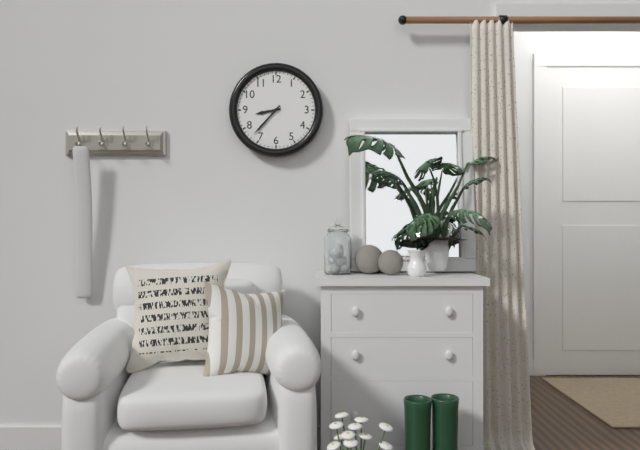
{"hour": 8, "minute": 37}
